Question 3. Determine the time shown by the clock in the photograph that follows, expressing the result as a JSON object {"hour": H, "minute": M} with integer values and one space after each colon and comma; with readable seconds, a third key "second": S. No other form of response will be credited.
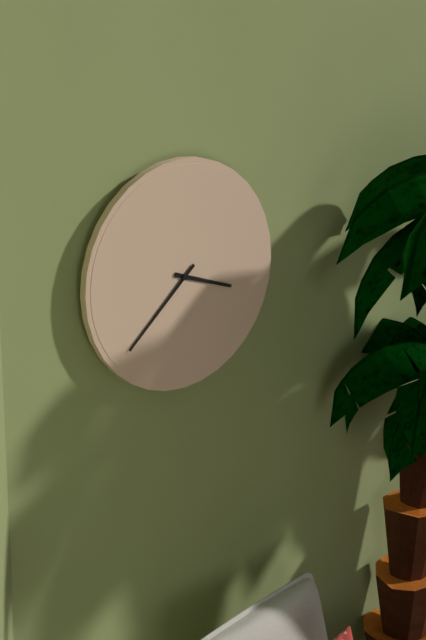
{"hour": 3, "minute": 38}
